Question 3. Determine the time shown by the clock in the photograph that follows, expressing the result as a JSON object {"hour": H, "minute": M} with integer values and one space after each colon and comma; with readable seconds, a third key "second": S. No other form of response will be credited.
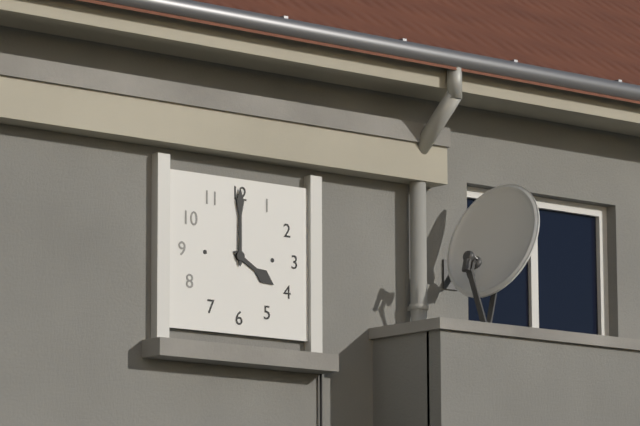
{"hour": 4, "minute": 0}
